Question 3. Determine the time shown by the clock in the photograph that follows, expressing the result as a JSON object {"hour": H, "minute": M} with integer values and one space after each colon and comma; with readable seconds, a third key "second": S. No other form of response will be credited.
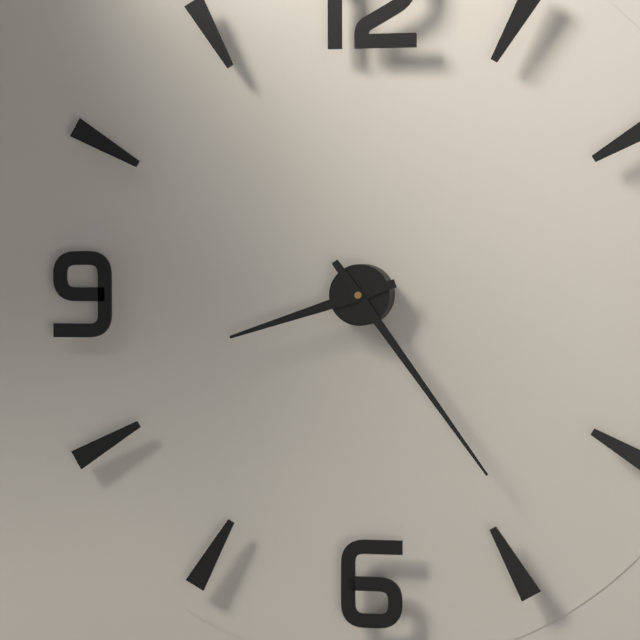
{"hour": 8, "minute": 24}
